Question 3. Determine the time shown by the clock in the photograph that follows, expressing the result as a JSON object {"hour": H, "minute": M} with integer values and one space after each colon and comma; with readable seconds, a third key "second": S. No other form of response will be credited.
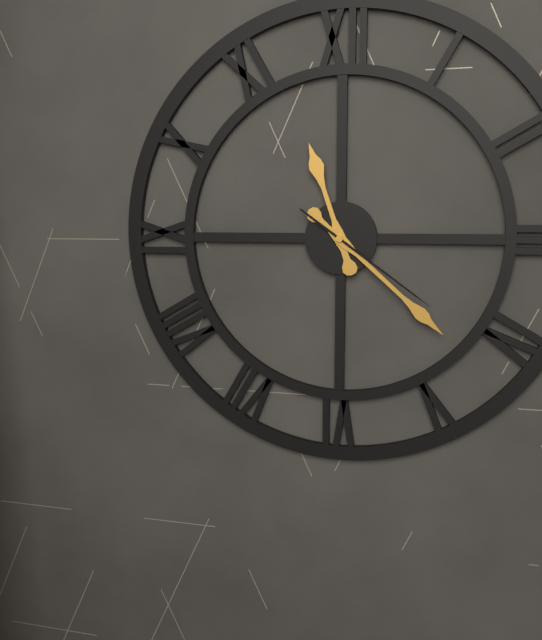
{"hour": 11, "minute": 22, "second": 21}
